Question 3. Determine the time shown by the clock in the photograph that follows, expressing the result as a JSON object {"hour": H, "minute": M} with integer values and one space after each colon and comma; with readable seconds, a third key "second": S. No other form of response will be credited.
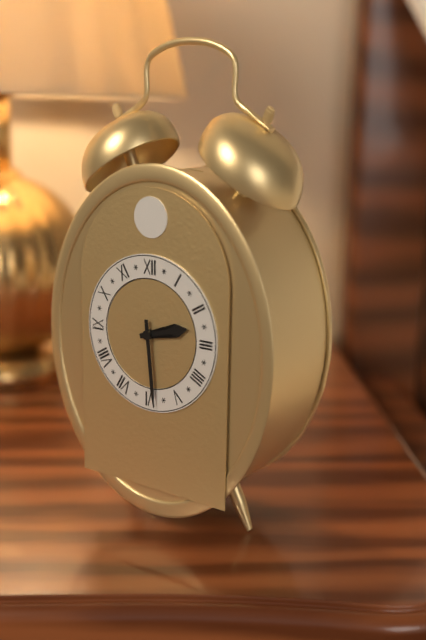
{"hour": 2, "minute": 29}
